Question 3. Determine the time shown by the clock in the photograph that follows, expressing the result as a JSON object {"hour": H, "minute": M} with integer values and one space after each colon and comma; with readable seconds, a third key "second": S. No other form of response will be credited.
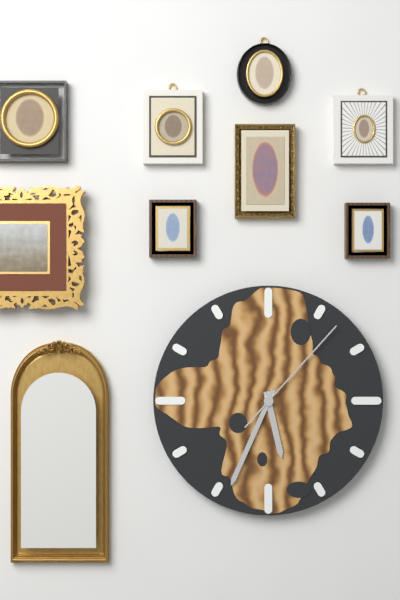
{"hour": 5, "minute": 34, "second": 7}
